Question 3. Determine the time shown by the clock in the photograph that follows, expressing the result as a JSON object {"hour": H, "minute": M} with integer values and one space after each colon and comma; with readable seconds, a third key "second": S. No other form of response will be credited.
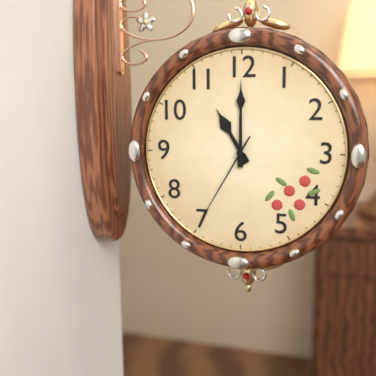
{"hour": 11, "minute": 0, "second": 35}
